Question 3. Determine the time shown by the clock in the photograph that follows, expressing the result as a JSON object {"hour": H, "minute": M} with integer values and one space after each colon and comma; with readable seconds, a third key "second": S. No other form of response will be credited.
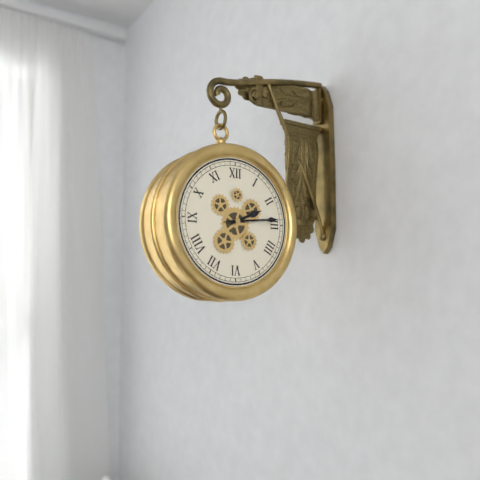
{"hour": 2, "minute": 14}
